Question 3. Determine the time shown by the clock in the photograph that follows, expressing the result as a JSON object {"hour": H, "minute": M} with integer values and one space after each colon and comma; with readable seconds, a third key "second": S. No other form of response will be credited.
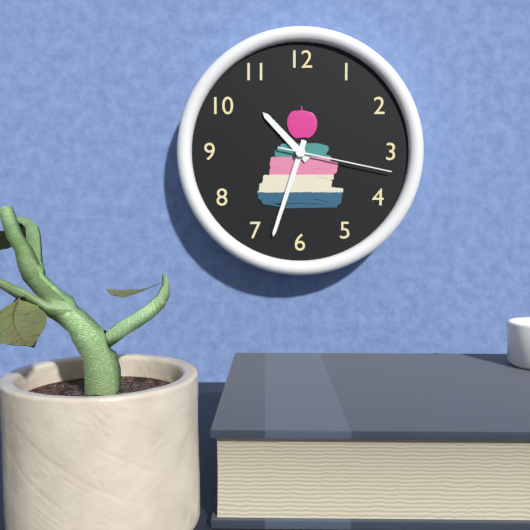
{"hour": 10, "minute": 33, "second": 17}
